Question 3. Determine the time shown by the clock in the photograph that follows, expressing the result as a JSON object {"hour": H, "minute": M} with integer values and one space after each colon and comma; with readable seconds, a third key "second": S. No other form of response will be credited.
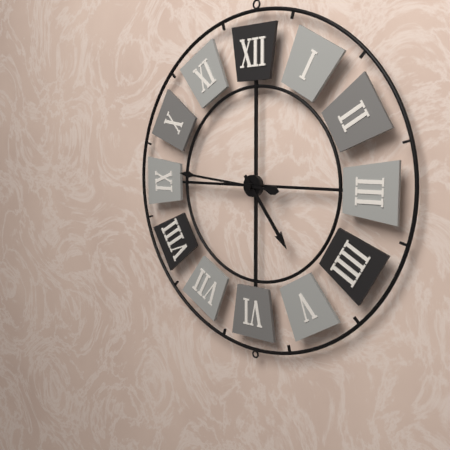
{"hour": 4, "minute": 46}
